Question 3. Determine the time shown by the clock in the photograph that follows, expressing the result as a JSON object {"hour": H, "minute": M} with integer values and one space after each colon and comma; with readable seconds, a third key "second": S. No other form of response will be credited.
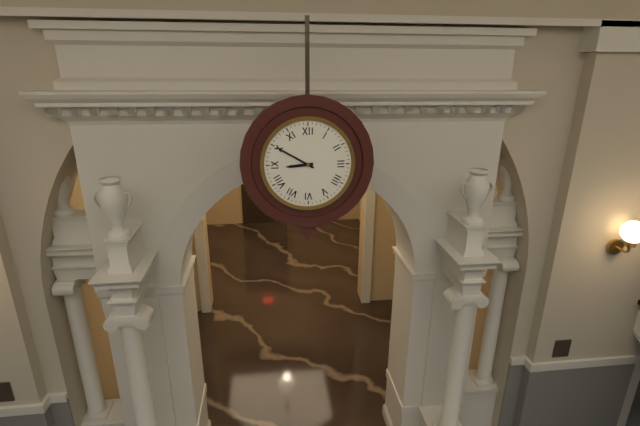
{"hour": 8, "minute": 50}
